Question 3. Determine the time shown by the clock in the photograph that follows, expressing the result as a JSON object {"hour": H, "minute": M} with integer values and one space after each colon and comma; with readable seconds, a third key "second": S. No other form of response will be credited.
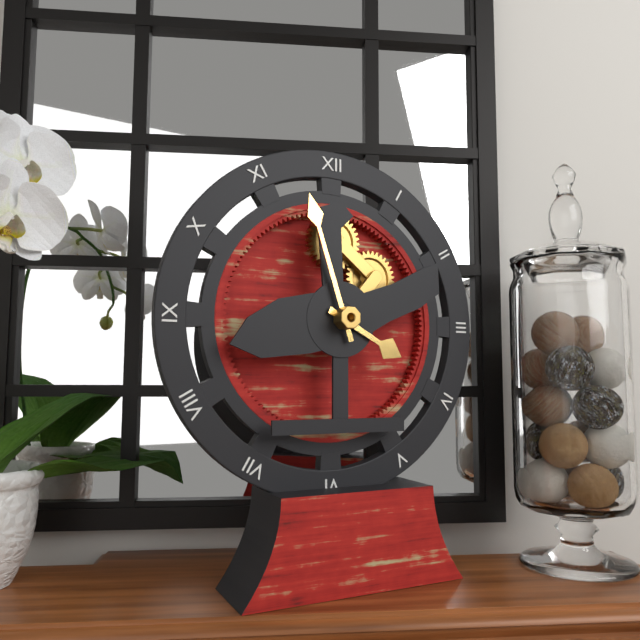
{"hour": 3, "minute": 57}
